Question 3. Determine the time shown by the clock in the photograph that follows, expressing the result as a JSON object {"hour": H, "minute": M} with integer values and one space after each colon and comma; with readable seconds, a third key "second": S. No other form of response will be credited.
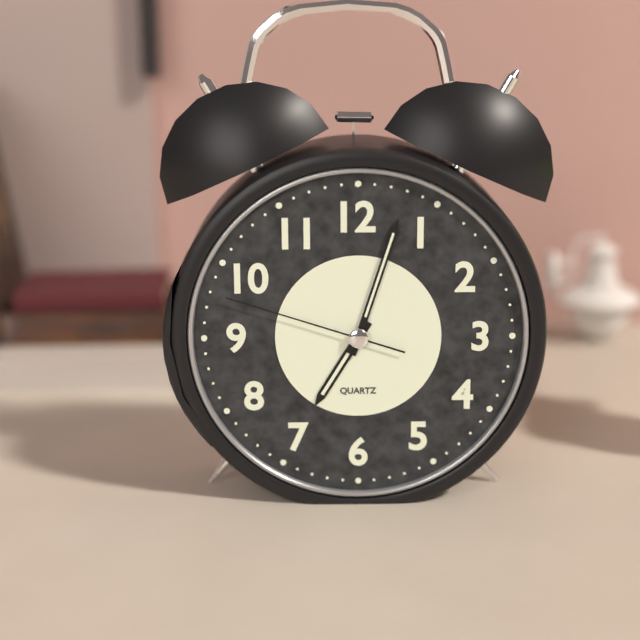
{"hour": 7, "minute": 3, "second": 48}
